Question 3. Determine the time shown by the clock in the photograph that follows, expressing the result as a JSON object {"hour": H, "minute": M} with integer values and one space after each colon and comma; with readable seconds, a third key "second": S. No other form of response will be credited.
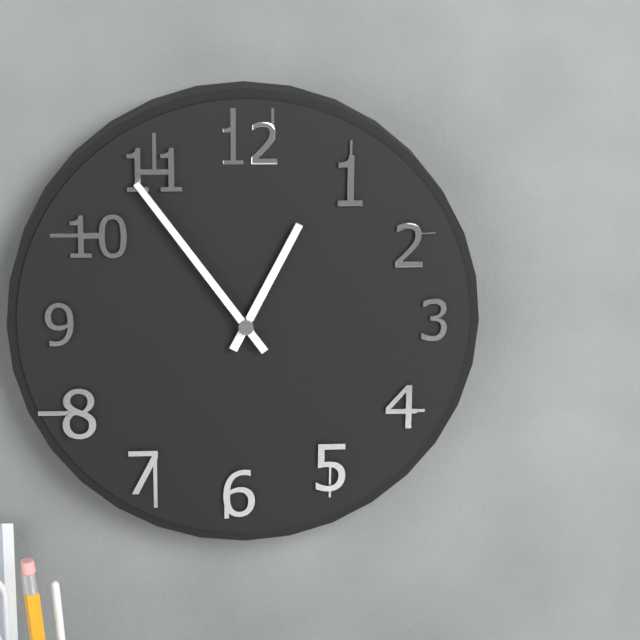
{"hour": 12, "minute": 54}
